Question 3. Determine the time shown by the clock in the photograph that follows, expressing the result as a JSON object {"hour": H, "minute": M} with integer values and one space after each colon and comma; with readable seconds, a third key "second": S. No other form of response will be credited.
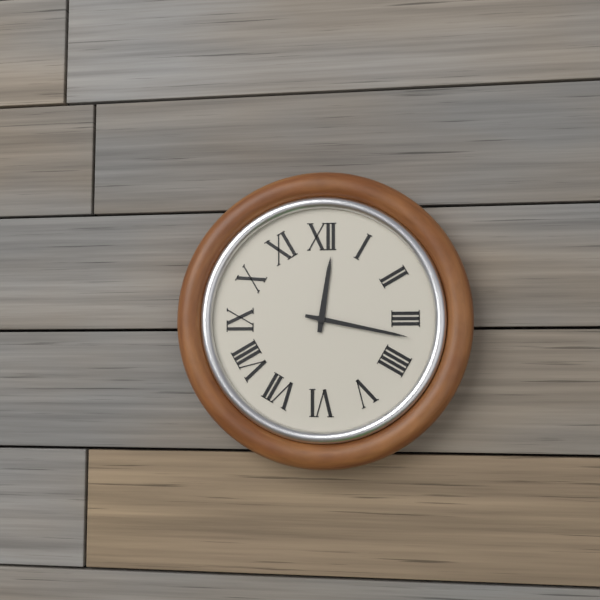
{"hour": 12, "minute": 17}
